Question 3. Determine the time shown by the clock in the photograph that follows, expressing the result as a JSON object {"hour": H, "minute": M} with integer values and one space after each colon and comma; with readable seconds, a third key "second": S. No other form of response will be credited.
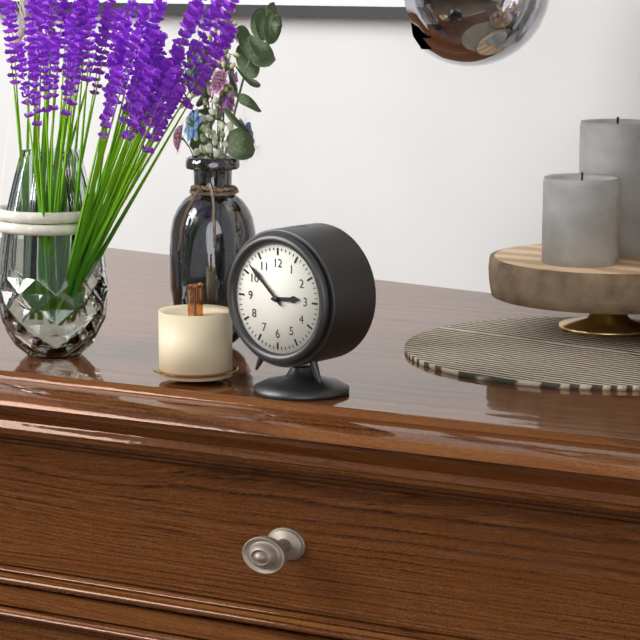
{"hour": 2, "minute": 52}
